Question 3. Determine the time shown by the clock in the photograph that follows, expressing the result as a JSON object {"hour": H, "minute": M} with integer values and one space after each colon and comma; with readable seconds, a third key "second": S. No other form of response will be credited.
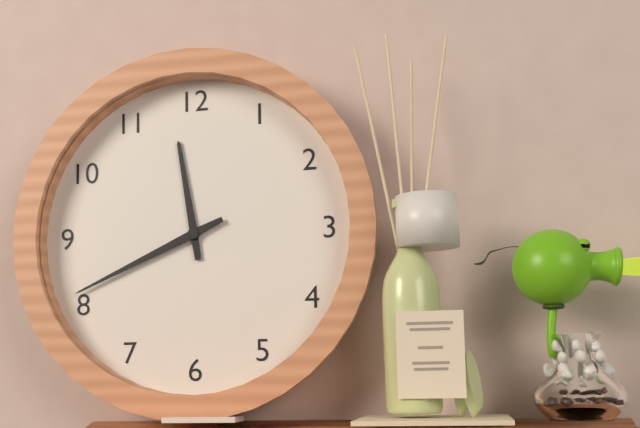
{"hour": 11, "minute": 41}
